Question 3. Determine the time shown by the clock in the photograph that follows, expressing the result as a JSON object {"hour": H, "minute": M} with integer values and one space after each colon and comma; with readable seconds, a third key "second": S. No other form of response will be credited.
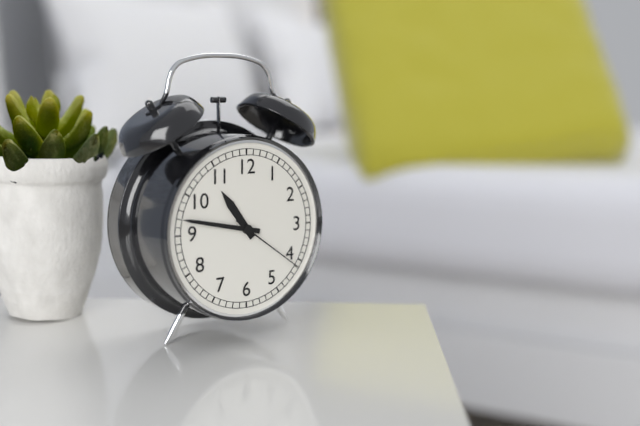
{"hour": 10, "minute": 47, "second": 21}
